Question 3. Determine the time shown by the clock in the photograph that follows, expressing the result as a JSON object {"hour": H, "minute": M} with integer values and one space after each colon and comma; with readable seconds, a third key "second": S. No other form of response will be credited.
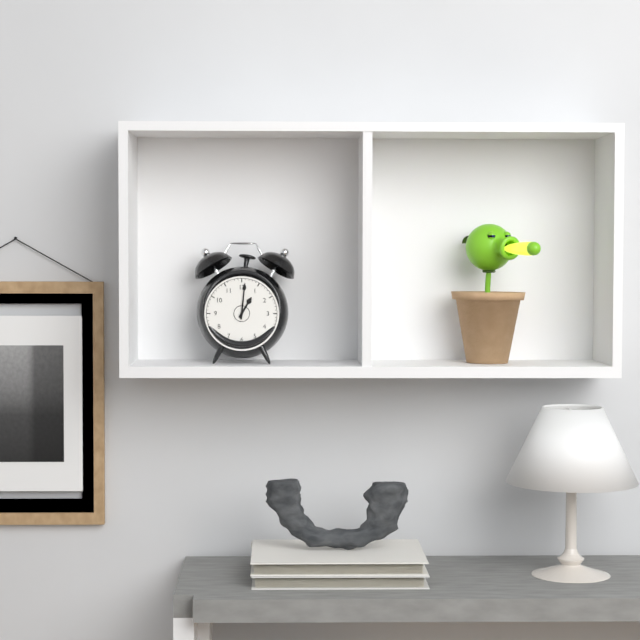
{"hour": 1, "minute": 1}
